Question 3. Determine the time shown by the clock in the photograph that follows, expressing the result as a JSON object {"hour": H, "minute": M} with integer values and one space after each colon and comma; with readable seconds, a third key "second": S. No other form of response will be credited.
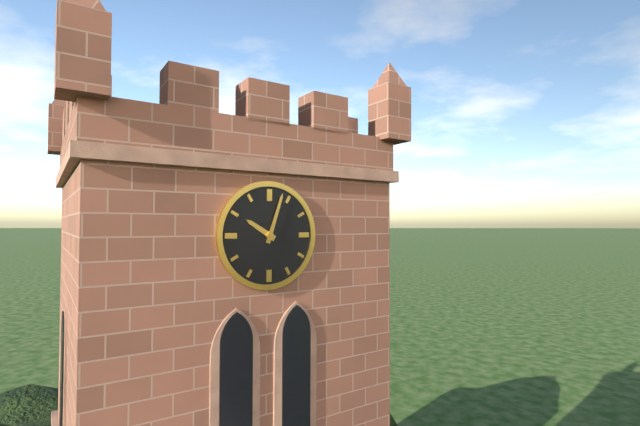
{"hour": 10, "minute": 3}
